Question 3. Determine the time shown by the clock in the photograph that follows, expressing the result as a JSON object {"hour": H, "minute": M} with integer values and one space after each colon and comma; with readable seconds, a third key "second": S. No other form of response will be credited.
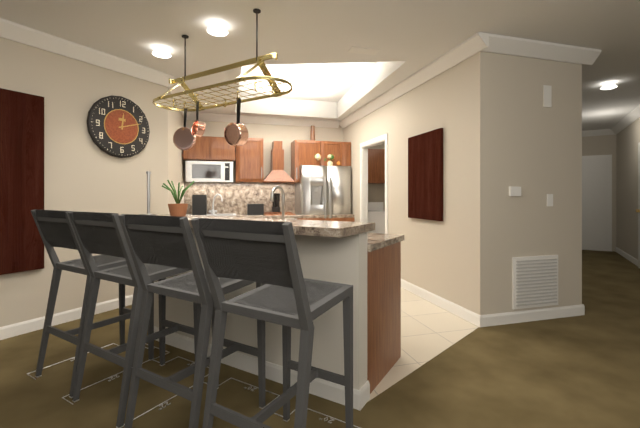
{"hour": 12, "minute": 12}
